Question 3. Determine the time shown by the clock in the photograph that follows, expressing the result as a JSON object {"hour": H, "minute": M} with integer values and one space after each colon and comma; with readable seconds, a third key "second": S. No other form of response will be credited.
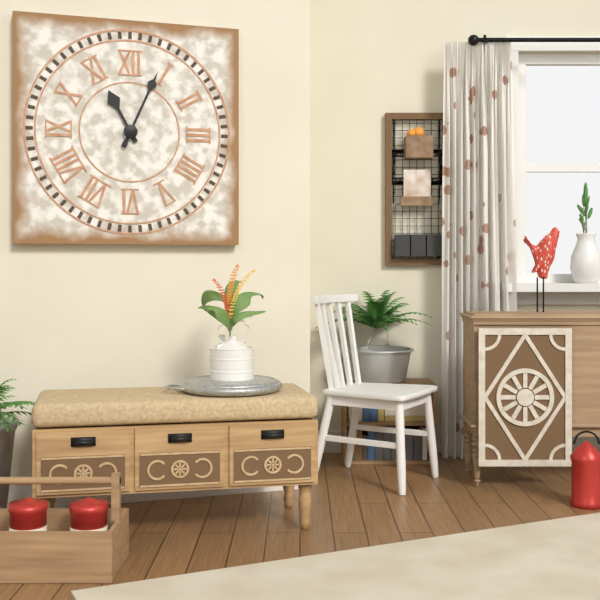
{"hour": 11, "minute": 4}
